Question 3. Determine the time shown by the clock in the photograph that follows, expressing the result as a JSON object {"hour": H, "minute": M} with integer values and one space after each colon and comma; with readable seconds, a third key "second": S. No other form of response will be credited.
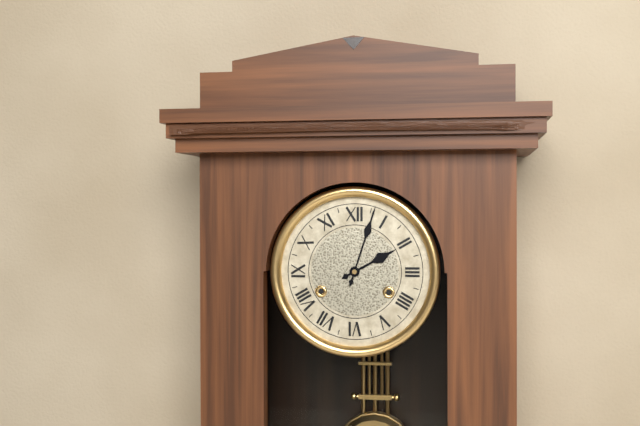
{"hour": 2, "minute": 3}
